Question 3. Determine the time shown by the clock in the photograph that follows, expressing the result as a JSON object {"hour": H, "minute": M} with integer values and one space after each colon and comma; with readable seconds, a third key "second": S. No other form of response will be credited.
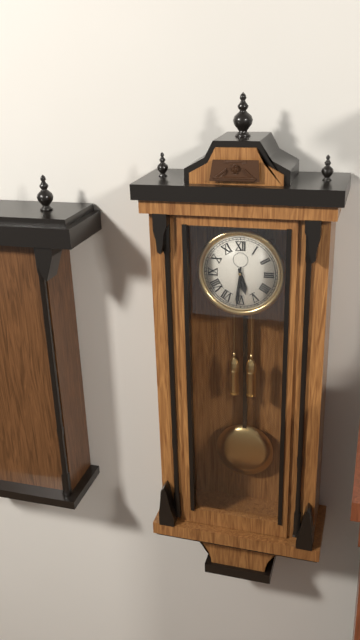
{"hour": 5, "minute": 31}
